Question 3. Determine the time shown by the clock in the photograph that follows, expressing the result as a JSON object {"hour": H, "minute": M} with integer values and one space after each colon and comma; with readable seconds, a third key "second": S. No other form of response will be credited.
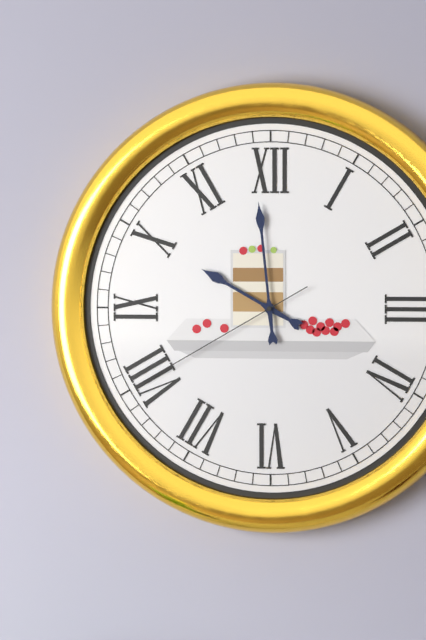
{"hour": 9, "minute": 59, "second": 40}
